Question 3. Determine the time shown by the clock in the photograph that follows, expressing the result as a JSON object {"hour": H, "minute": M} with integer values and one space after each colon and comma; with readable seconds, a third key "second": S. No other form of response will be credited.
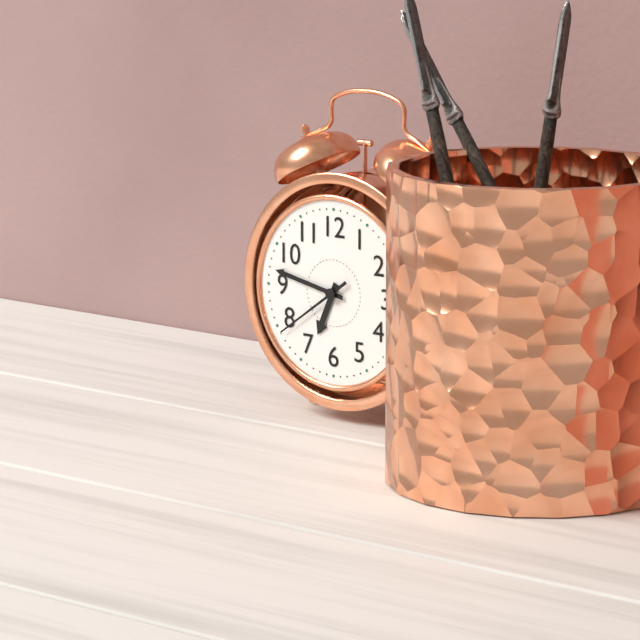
{"hour": 6, "minute": 47, "second": 39}
